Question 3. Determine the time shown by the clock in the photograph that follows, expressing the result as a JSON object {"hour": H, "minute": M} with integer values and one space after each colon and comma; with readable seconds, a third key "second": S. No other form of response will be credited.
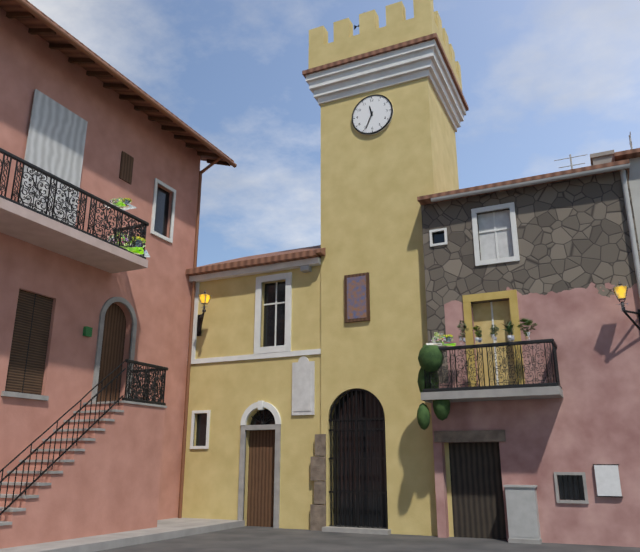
{"hour": 11, "minute": 34}
